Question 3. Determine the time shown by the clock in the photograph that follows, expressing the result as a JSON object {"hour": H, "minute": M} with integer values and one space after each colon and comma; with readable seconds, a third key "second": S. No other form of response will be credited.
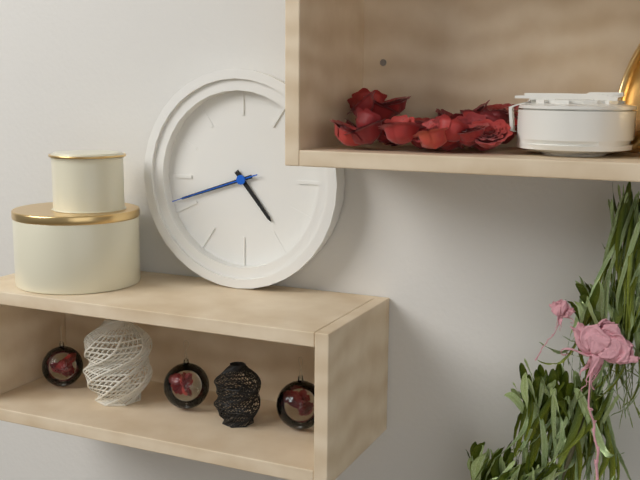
{"hour": 4, "minute": 42, "second": 42}
